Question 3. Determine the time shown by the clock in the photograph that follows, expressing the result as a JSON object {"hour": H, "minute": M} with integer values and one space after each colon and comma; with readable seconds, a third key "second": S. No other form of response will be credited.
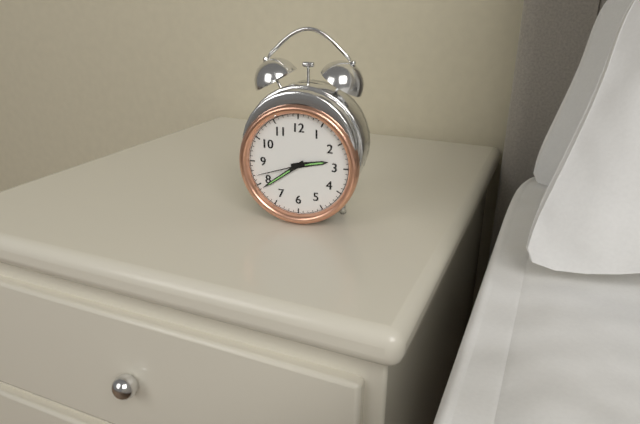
{"hour": 2, "minute": 39, "second": 42}
